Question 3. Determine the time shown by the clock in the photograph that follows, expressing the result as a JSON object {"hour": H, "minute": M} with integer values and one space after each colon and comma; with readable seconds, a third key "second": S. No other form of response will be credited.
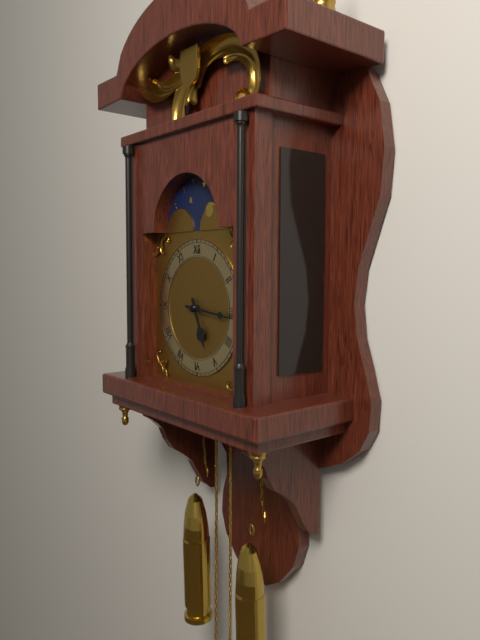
{"hour": 5, "minute": 16}
